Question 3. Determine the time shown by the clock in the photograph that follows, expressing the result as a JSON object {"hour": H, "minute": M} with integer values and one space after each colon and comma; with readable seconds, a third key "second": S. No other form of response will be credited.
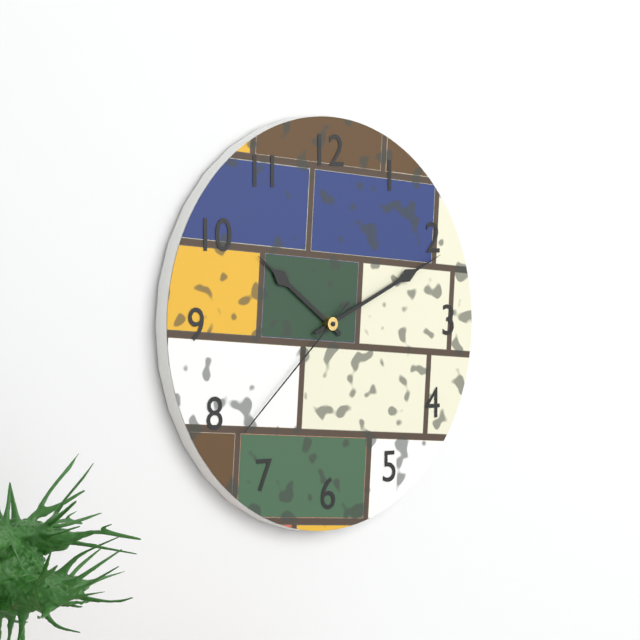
{"hour": 10, "minute": 11, "second": 38}
